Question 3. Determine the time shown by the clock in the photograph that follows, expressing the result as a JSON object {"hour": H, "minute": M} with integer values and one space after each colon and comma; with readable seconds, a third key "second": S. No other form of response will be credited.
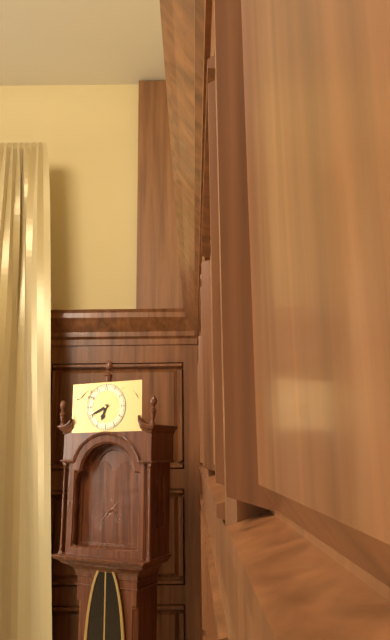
{"hour": 6, "minute": 41}
